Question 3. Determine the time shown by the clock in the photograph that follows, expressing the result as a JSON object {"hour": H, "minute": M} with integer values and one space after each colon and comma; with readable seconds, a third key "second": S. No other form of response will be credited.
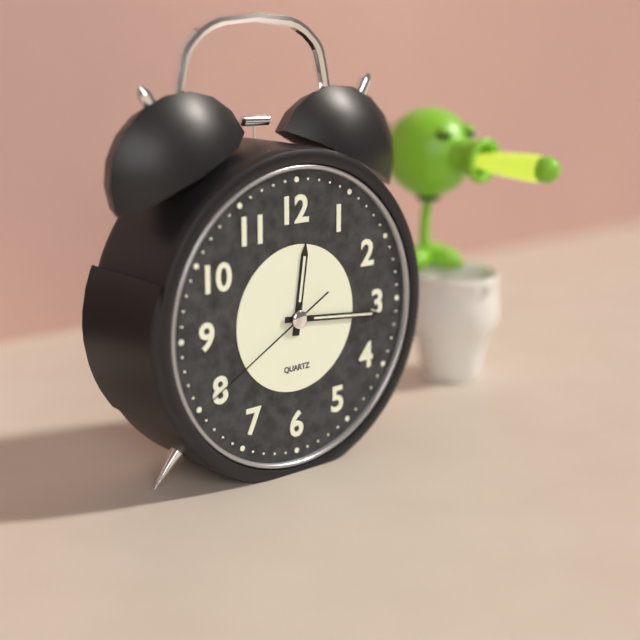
{"hour": 12, "minute": 16, "second": 40}
